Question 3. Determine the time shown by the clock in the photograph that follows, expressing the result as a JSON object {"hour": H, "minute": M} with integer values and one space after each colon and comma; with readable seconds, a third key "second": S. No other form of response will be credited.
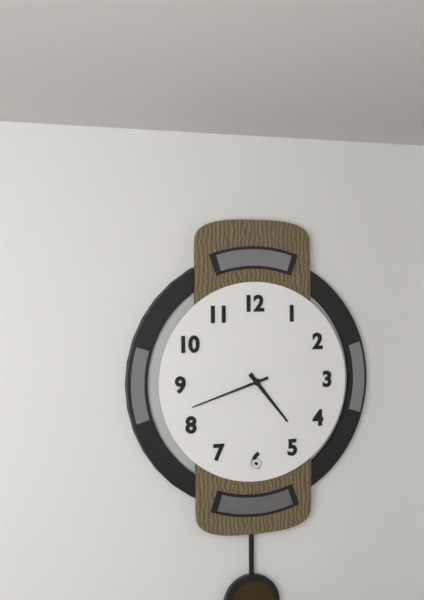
{"hour": 4, "minute": 42}
